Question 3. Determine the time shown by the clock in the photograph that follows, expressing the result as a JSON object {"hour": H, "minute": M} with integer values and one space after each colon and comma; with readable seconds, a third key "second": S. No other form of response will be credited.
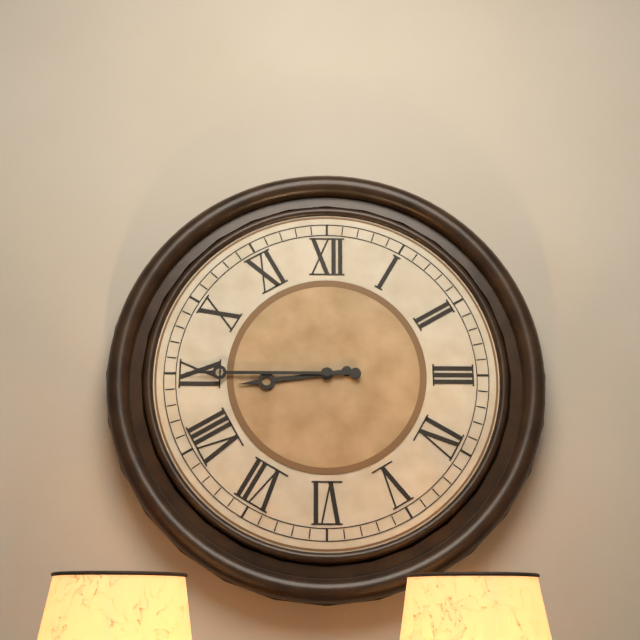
{"hour": 8, "minute": 45}
